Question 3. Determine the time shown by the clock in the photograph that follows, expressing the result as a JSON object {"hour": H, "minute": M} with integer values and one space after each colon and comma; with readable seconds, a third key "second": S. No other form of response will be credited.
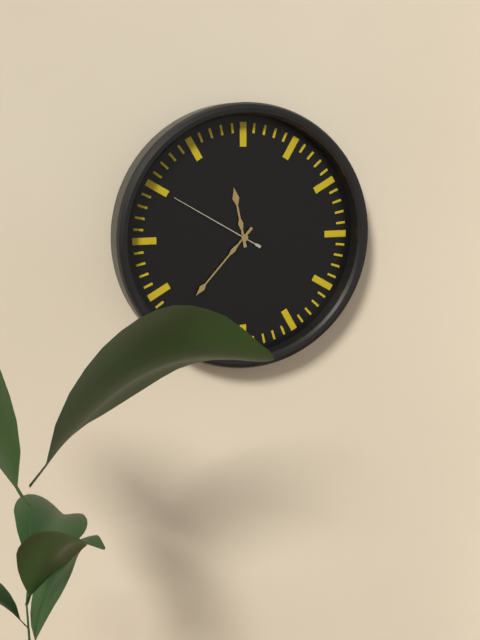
{"hour": 11, "minute": 37, "second": 50}
